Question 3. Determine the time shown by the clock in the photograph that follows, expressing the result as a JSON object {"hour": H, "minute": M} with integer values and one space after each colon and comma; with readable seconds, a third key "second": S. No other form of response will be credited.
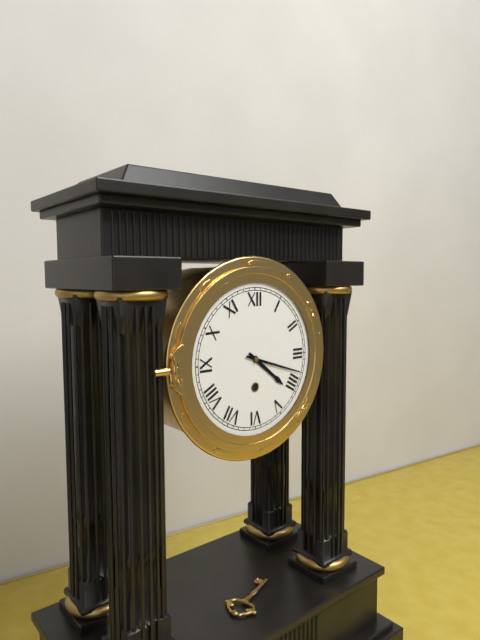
{"hour": 4, "minute": 18}
